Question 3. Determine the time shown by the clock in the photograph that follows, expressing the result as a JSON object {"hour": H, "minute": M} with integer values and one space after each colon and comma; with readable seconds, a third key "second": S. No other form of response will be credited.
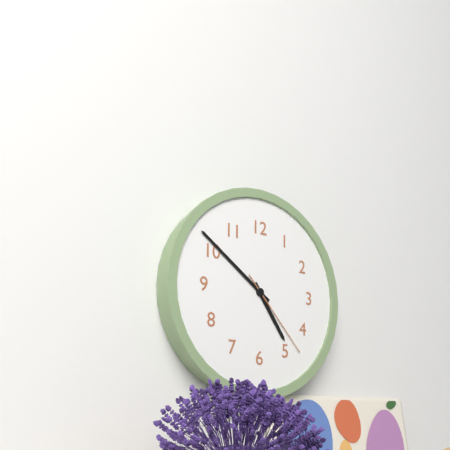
{"hour": 4, "minute": 51, "second": 23}
